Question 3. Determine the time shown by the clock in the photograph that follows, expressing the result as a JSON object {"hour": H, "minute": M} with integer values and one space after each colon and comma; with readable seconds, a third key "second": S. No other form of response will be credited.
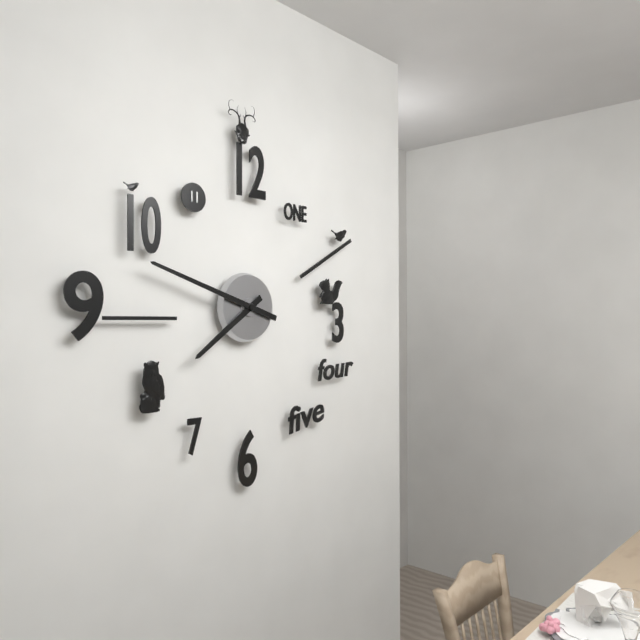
{"hour": 7, "minute": 48}
